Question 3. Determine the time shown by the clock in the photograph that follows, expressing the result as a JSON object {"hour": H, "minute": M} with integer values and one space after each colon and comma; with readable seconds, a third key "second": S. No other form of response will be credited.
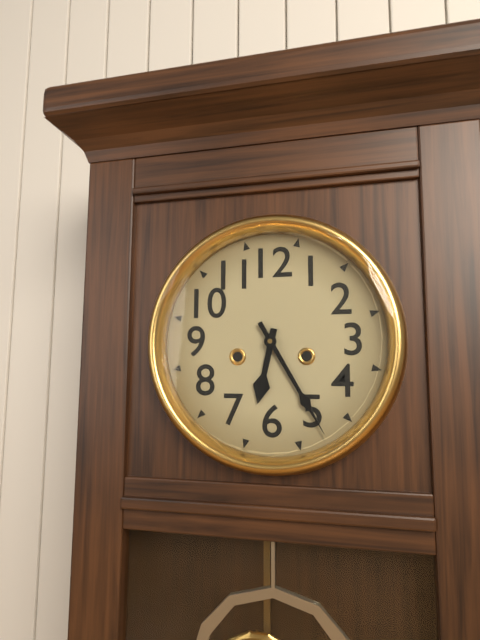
{"hour": 6, "minute": 25}
